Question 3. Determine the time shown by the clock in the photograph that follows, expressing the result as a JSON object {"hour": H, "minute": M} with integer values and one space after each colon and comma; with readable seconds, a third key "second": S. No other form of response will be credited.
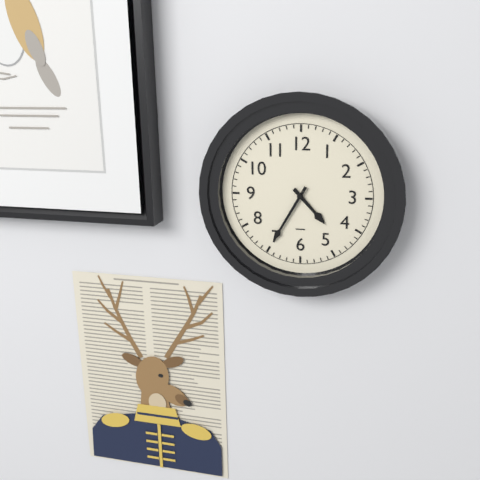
{"hour": 4, "minute": 35}
